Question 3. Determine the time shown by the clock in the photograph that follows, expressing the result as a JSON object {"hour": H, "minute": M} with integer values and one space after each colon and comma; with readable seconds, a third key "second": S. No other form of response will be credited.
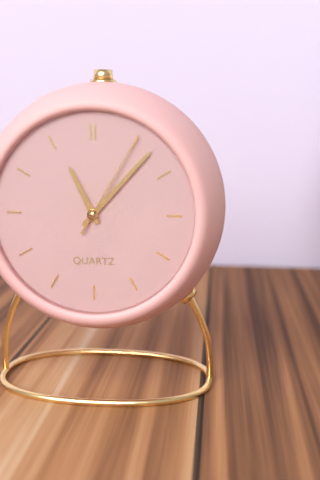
{"hour": 11, "minute": 7, "second": 5}
